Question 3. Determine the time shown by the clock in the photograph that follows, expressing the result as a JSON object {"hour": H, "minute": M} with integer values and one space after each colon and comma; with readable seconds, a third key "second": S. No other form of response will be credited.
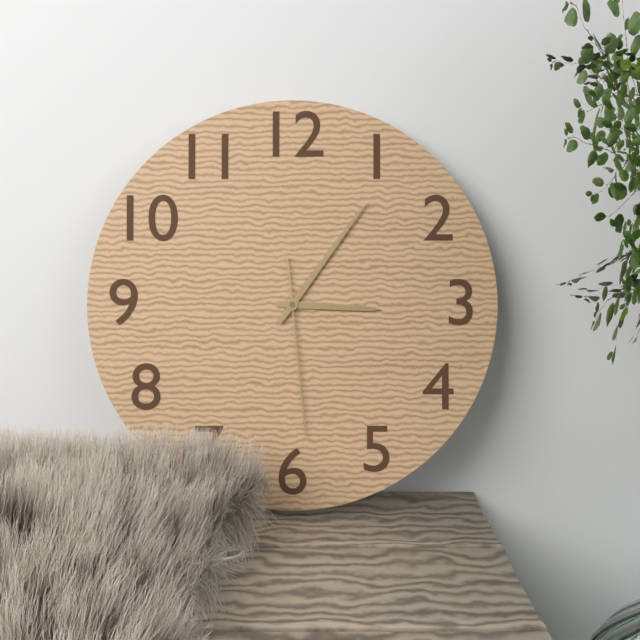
{"hour": 3, "minute": 6, "second": 29}
